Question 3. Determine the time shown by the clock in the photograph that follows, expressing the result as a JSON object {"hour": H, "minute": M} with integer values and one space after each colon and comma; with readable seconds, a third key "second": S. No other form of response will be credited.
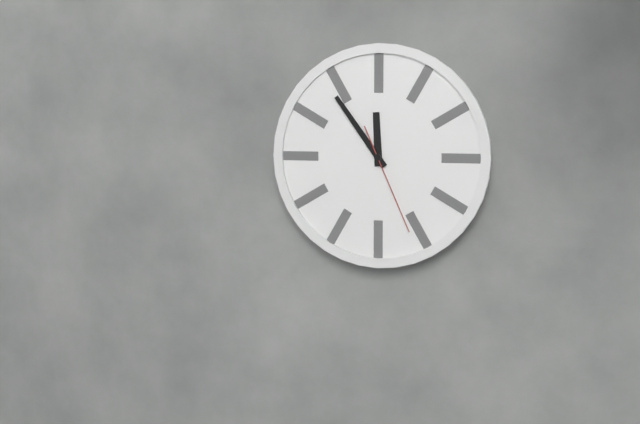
{"hour": 11, "minute": 54, "second": 26}
